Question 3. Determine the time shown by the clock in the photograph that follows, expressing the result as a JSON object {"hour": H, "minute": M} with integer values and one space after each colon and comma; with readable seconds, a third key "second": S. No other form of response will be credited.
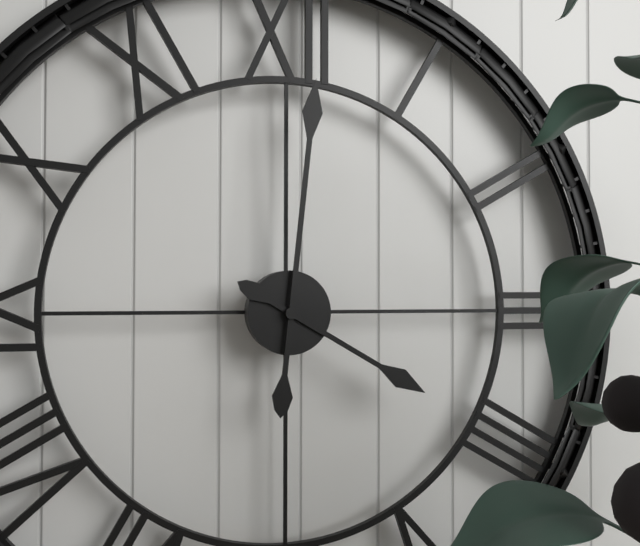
{"hour": 4, "minute": 1}
